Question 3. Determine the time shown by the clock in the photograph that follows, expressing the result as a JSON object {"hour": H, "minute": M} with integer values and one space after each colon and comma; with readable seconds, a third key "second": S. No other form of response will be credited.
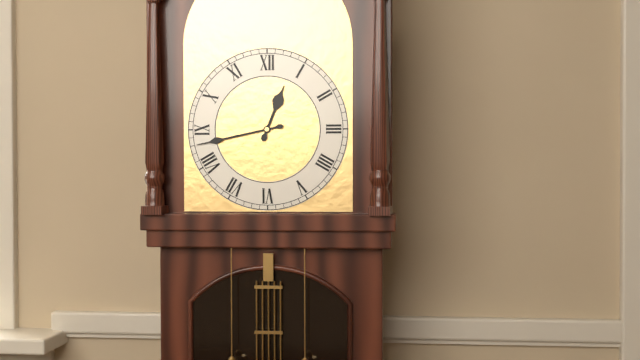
{"hour": 12, "minute": 43}
